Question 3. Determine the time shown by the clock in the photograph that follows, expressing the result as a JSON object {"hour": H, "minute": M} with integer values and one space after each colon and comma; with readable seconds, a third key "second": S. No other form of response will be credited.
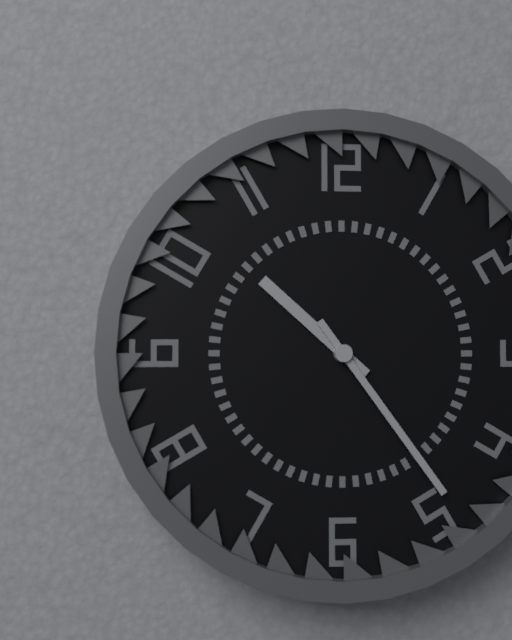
{"hour": 10, "minute": 24}
